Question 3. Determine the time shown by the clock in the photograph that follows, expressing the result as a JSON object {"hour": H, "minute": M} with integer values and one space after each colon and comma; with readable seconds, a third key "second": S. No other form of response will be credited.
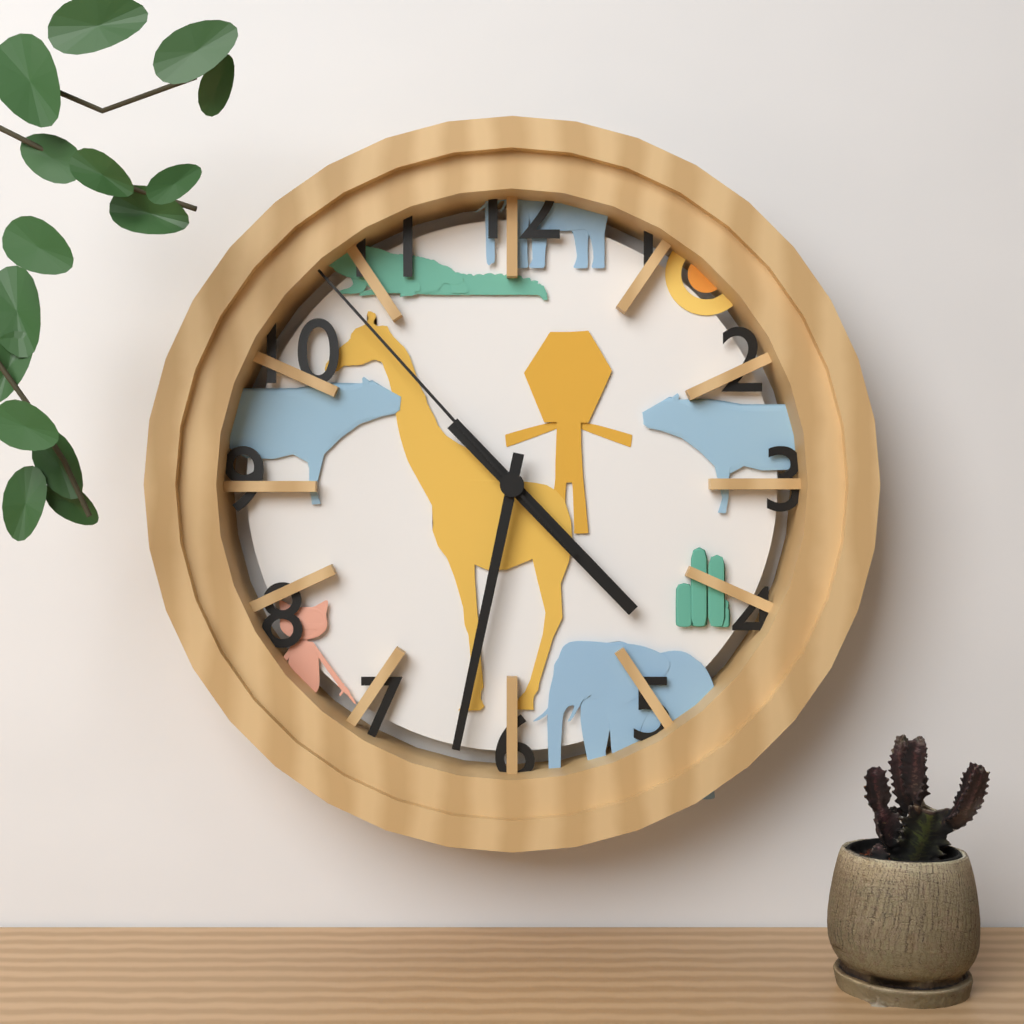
{"hour": 4, "minute": 32, "second": 53}
